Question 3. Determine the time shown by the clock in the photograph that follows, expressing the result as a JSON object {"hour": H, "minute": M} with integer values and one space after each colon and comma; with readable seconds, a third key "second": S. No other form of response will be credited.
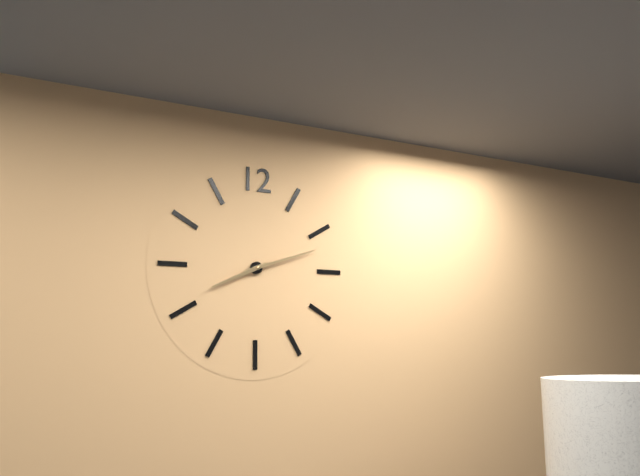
{"hour": 8, "minute": 12}
